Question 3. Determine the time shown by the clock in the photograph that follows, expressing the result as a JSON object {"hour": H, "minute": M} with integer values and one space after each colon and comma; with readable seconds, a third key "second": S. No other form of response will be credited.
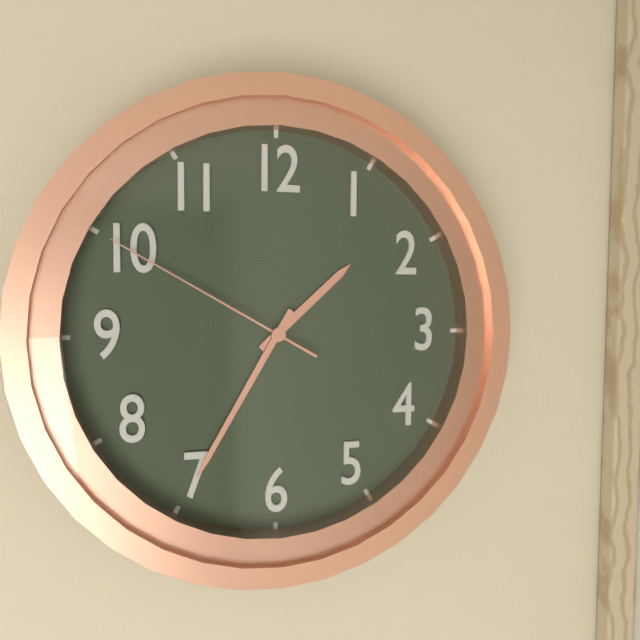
{"hour": 1, "minute": 35, "second": 50}
